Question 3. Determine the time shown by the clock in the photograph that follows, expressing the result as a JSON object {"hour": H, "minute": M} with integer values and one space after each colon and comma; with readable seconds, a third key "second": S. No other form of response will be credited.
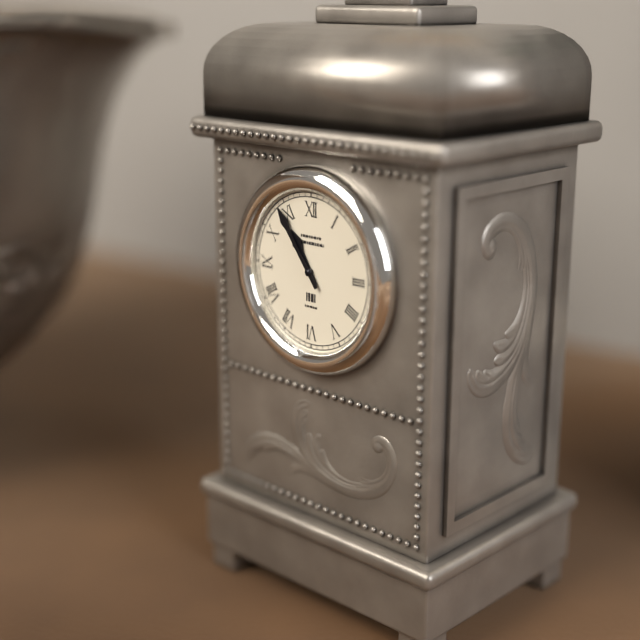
{"hour": 10, "minute": 54}
